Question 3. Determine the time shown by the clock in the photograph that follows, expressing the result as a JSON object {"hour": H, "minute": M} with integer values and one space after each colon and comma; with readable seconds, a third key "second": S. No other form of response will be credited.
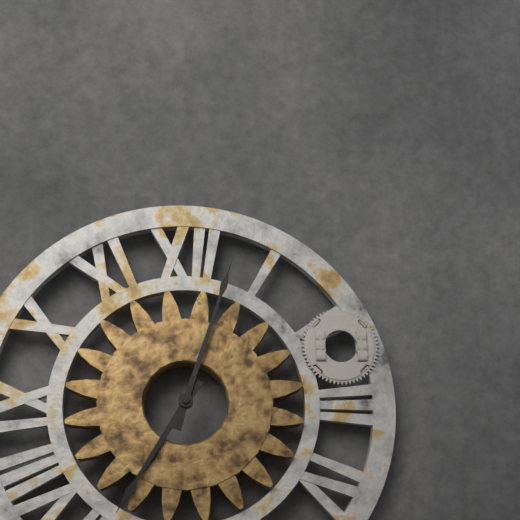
{"hour": 7, "minute": 3}
